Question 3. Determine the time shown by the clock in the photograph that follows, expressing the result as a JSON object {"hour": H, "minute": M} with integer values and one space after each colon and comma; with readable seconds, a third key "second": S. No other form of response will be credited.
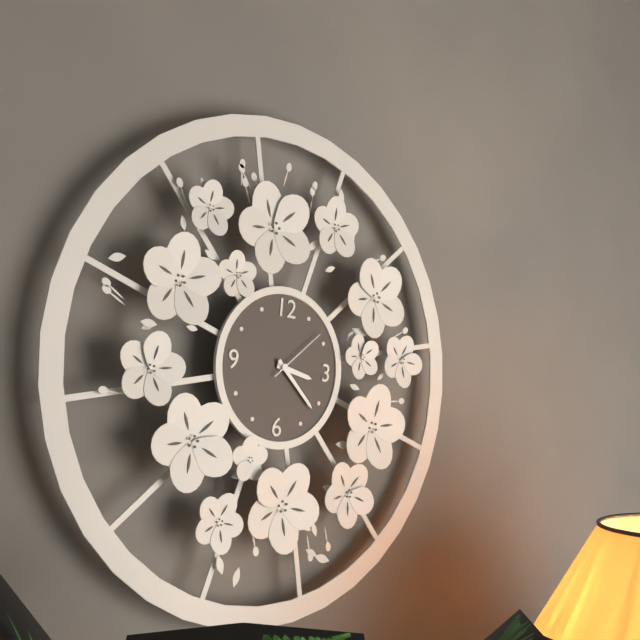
{"hour": 3, "minute": 22, "second": 8}
